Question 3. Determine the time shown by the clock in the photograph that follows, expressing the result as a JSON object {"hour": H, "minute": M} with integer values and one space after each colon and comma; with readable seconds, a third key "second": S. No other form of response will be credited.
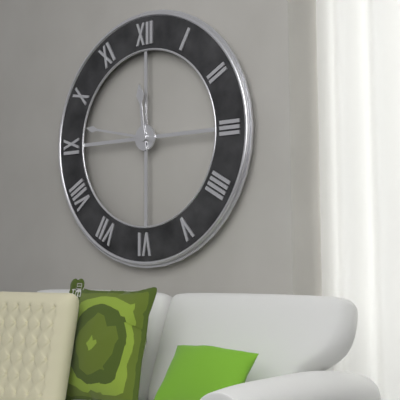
{"hour": 11, "minute": 47}
